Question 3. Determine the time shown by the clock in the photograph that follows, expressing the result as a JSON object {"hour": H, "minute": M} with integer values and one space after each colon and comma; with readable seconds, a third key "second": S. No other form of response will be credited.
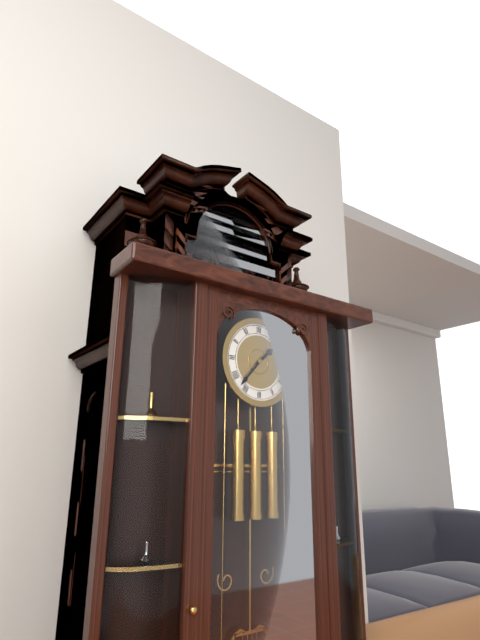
{"hour": 1, "minute": 37}
